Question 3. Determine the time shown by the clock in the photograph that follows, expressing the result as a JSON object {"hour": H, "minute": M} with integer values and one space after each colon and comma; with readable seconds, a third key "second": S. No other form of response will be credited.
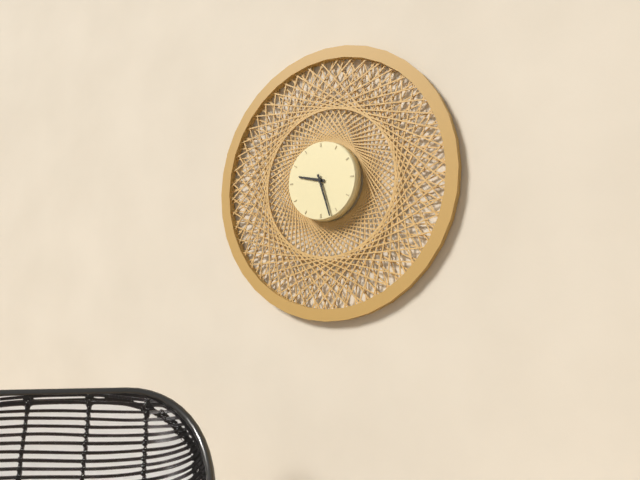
{"hour": 9, "minute": 27}
